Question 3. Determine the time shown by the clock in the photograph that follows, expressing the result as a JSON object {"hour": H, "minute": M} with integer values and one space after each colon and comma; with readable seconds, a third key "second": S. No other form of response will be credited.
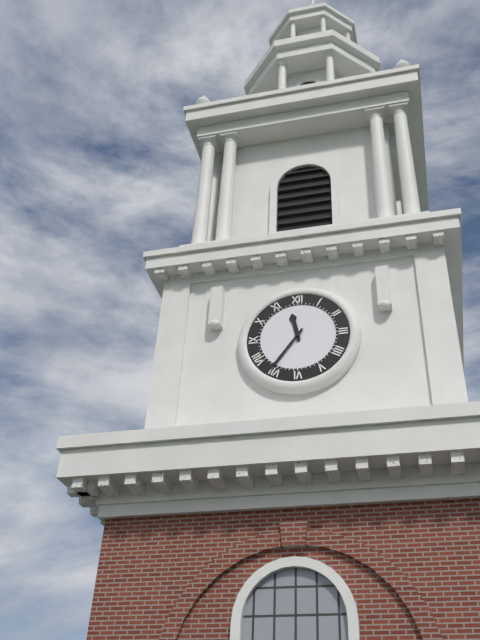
{"hour": 11, "minute": 36}
